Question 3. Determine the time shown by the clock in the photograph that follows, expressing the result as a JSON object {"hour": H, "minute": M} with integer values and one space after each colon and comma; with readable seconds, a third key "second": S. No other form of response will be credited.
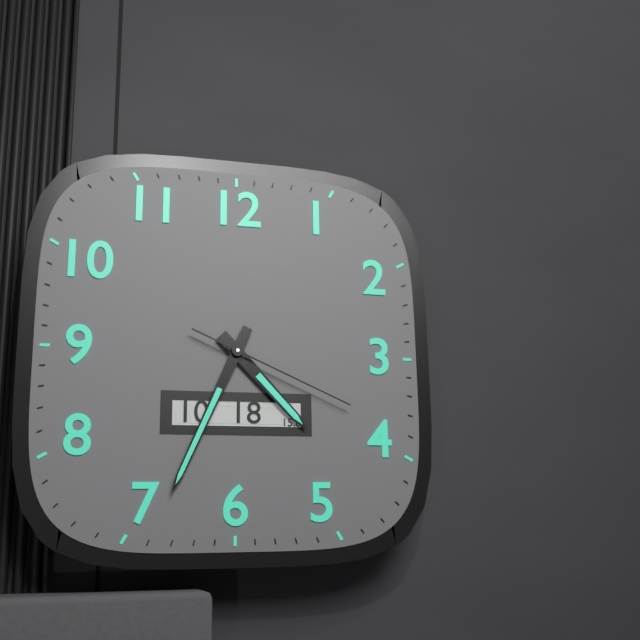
{"hour": 4, "minute": 34, "second": 19}
